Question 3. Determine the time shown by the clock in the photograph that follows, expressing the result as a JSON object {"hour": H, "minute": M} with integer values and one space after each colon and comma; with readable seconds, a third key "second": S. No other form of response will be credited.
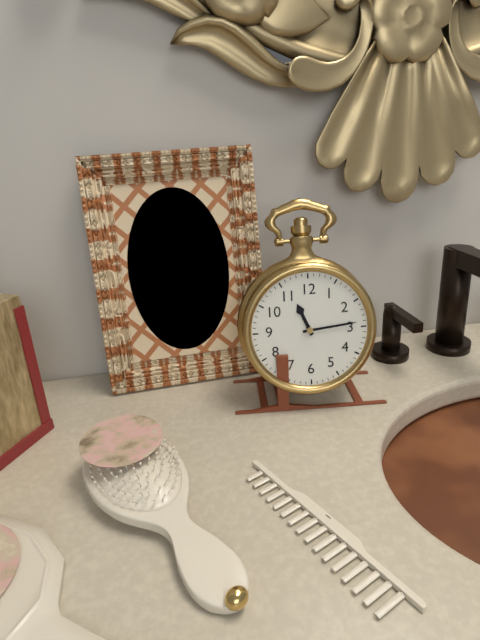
{"hour": 11, "minute": 14}
